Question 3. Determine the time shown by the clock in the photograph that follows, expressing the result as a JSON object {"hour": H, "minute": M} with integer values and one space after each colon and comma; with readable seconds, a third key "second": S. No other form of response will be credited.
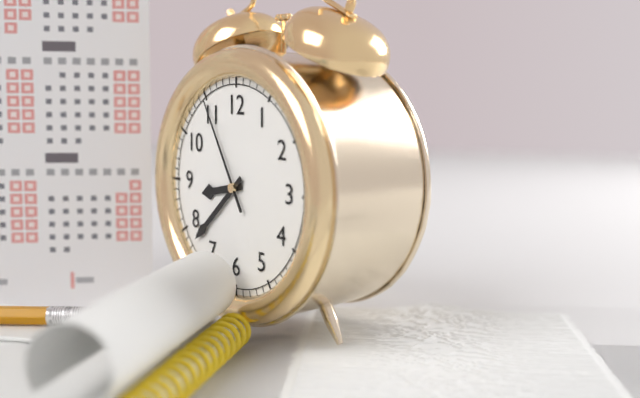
{"hour": 8, "minute": 38, "second": 55}
